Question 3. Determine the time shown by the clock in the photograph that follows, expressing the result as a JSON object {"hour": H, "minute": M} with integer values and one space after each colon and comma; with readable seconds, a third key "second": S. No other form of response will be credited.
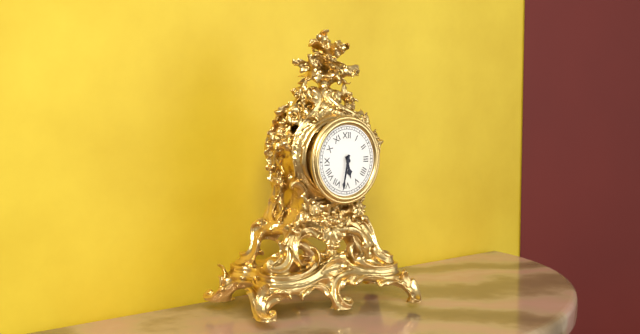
{"hour": 5, "minute": 32}
